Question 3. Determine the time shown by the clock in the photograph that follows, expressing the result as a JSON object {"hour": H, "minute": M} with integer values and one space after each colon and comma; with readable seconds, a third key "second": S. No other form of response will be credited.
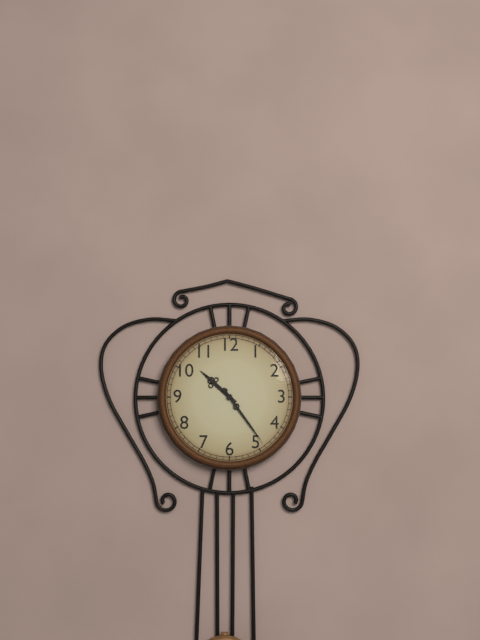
{"hour": 10, "minute": 24}
